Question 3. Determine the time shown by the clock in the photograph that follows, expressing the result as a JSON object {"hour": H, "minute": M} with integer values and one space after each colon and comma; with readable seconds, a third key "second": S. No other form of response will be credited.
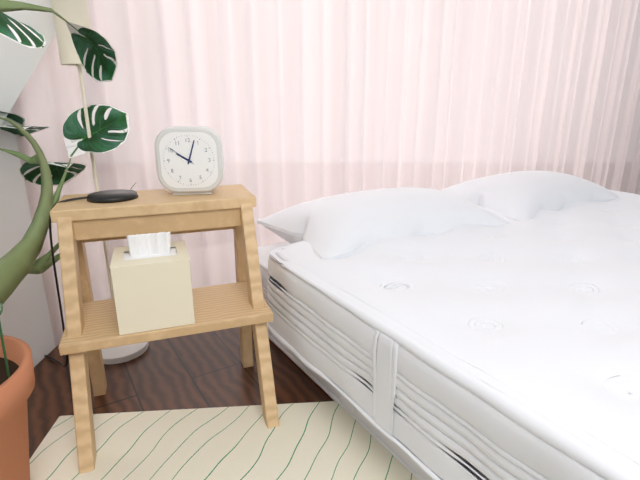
{"hour": 10, "minute": 3}
